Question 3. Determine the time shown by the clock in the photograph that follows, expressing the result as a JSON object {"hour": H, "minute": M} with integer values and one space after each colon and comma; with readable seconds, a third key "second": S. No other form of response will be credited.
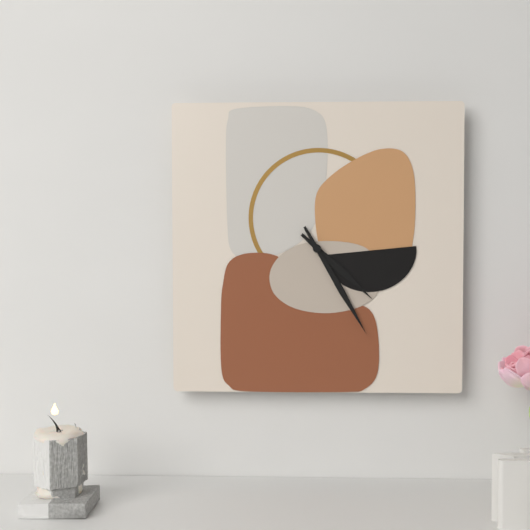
{"hour": 4, "minute": 25}
